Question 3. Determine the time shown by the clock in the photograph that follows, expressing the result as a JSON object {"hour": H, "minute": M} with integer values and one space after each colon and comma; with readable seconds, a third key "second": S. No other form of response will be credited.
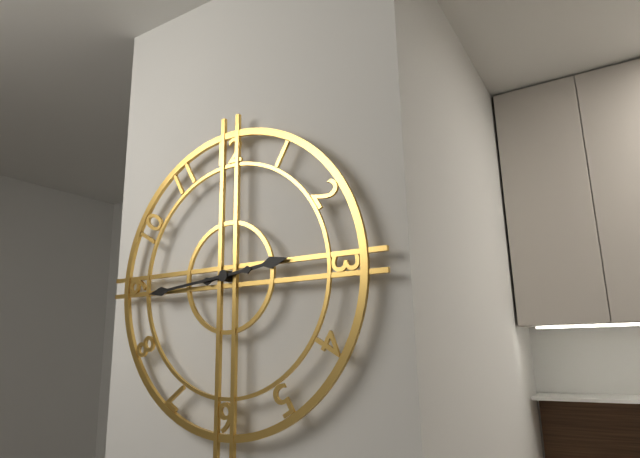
{"hour": 2, "minute": 44}
